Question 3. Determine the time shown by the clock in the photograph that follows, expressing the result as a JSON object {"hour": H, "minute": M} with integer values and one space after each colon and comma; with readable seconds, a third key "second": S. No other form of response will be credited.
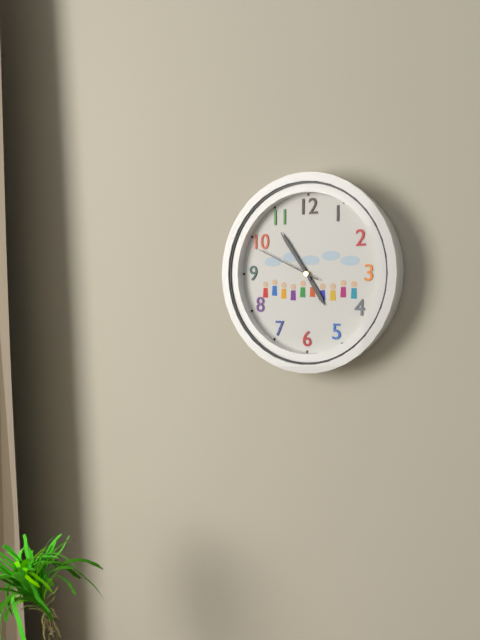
{"hour": 4, "minute": 54, "second": 49}
